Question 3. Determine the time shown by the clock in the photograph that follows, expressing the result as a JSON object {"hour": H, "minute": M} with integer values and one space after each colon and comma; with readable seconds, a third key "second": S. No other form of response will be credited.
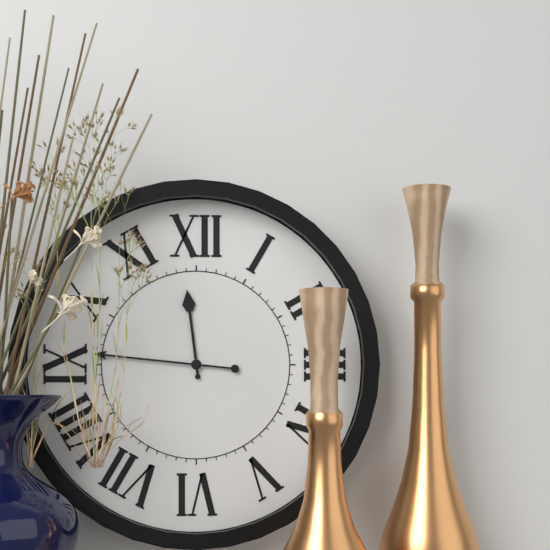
{"hour": 11, "minute": 46}
